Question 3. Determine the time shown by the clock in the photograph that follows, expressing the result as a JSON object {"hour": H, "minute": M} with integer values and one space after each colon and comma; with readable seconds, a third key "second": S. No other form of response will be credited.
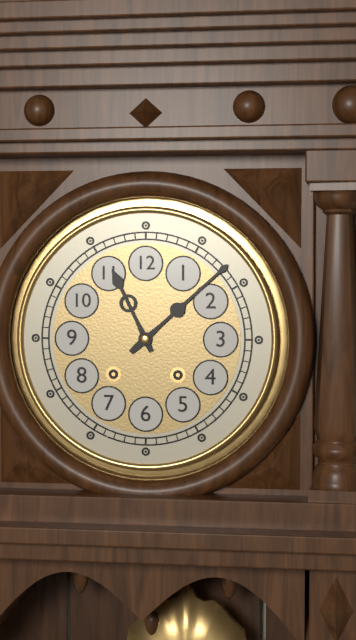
{"hour": 11, "minute": 8}
